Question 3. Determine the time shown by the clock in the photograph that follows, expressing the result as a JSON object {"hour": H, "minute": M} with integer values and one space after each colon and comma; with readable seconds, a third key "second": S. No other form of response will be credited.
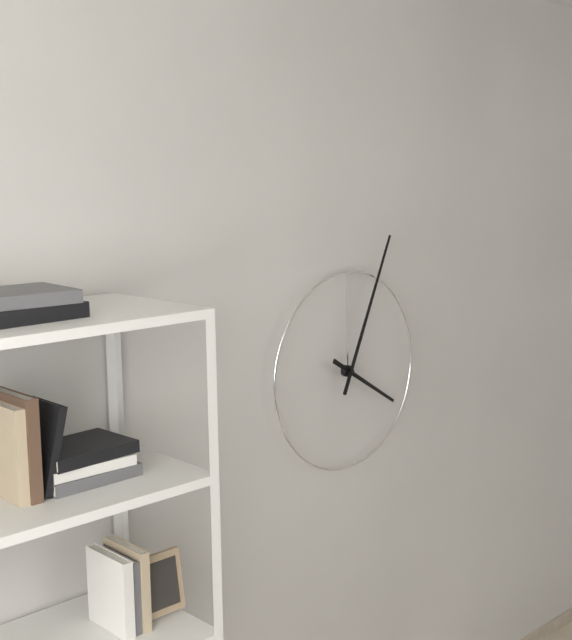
{"hour": 4, "minute": 4}
